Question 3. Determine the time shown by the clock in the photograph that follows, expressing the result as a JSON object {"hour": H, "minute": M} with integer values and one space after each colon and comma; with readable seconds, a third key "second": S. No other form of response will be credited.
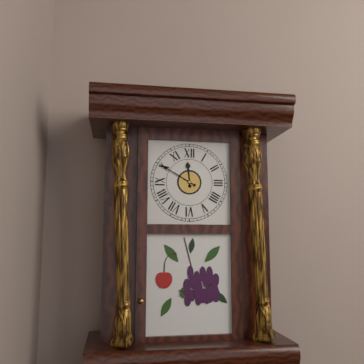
{"hour": 11, "minute": 50}
